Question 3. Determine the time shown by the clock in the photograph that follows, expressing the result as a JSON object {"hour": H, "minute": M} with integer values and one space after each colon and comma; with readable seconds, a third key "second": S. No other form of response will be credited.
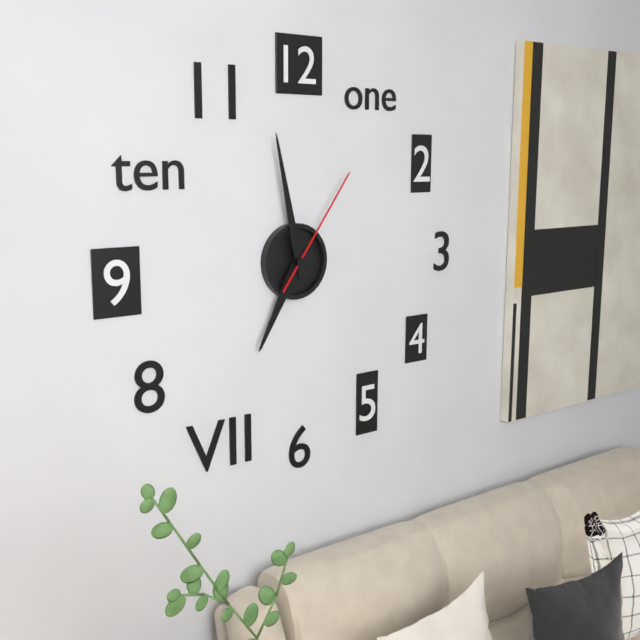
{"hour": 6, "minute": 58, "second": 6}
